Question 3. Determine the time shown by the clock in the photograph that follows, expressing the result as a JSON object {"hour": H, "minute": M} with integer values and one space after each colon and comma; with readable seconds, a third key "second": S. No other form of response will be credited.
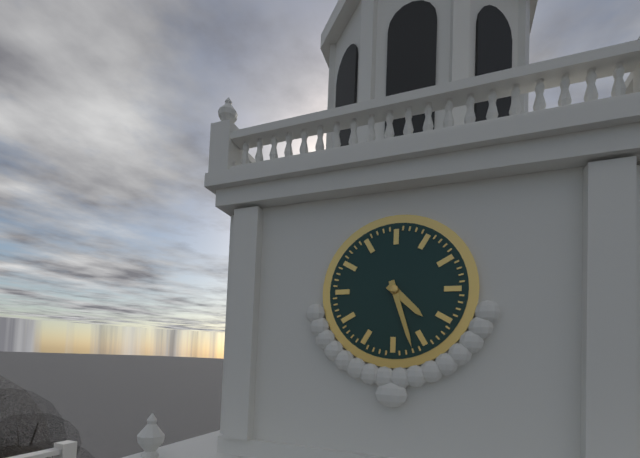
{"hour": 4, "minute": 27}
